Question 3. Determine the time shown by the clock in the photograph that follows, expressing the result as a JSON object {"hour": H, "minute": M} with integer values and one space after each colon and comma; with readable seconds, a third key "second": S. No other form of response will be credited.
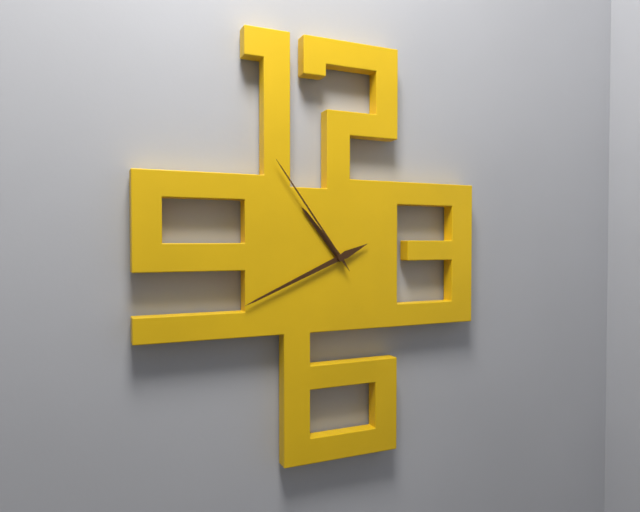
{"hour": 10, "minute": 41, "second": 54}
